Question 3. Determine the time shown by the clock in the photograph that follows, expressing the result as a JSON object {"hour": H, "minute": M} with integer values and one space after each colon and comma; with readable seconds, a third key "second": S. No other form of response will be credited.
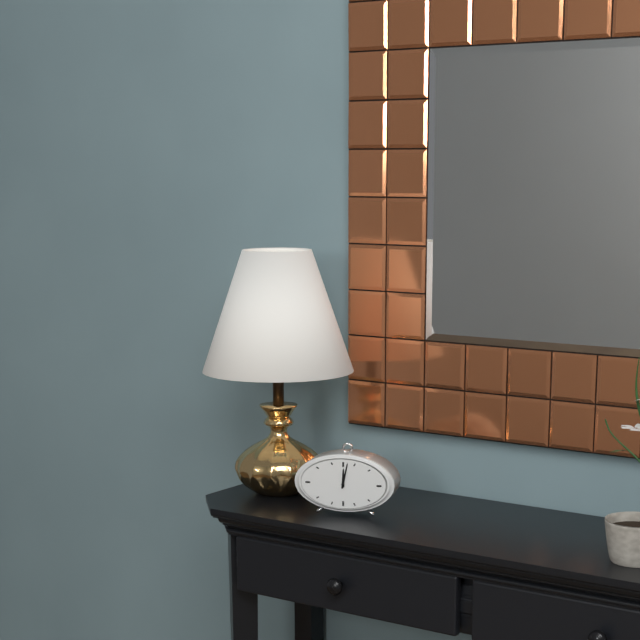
{"hour": 12, "minute": 2}
